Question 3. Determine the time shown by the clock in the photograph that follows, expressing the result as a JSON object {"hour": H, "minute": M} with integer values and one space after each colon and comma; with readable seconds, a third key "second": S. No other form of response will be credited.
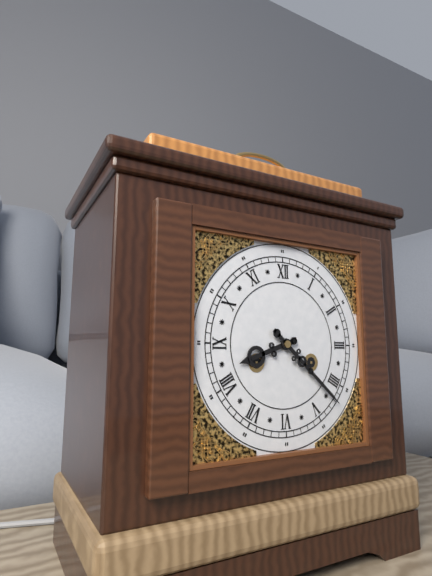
{"hour": 8, "minute": 22}
